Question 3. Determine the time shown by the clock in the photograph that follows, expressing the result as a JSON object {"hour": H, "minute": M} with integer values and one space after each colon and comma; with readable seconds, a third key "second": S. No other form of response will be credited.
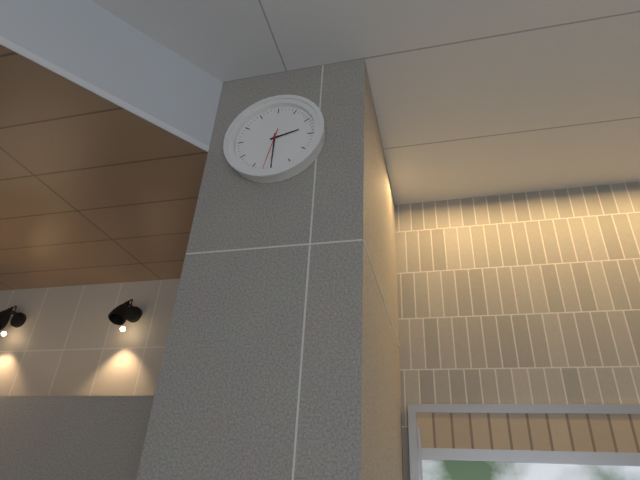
{"hour": 2, "minute": 30}
